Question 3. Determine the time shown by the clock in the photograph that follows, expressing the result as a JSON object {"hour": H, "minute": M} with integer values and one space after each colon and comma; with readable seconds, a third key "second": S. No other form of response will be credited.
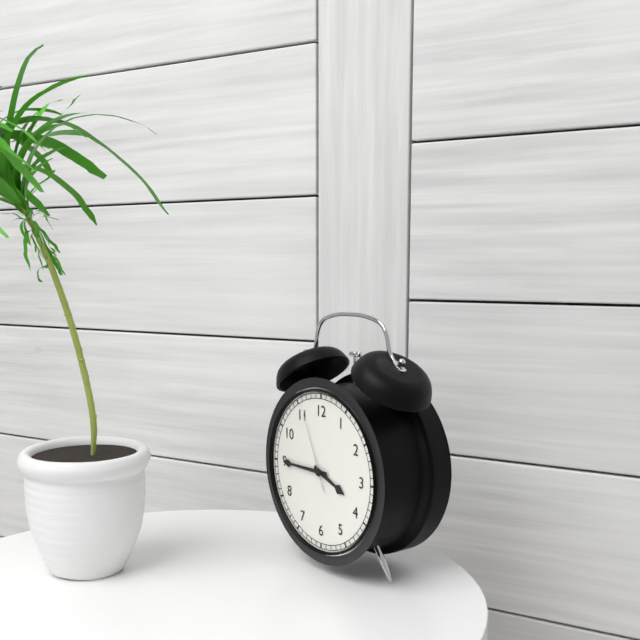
{"hour": 3, "minute": 45, "second": 56}
